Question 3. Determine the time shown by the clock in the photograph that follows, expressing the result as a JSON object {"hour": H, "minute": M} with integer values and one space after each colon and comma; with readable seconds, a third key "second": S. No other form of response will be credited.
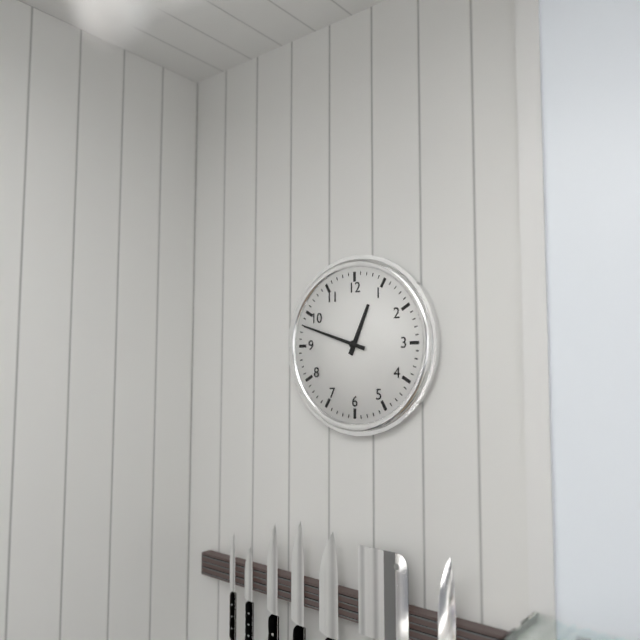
{"hour": 12, "minute": 48}
